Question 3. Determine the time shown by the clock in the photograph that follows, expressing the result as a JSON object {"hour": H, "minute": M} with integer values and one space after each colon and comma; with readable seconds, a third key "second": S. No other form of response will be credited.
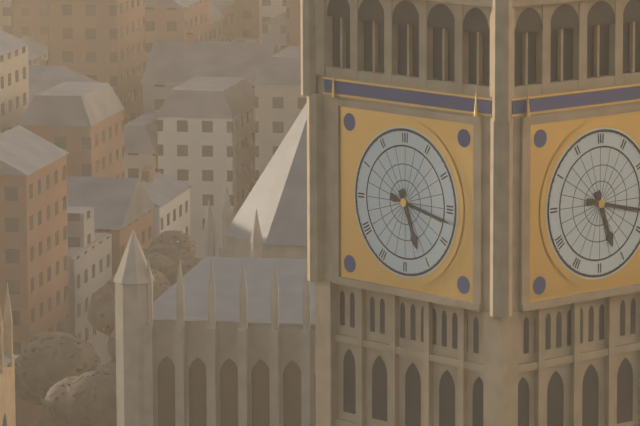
{"hour": 5, "minute": 17}
